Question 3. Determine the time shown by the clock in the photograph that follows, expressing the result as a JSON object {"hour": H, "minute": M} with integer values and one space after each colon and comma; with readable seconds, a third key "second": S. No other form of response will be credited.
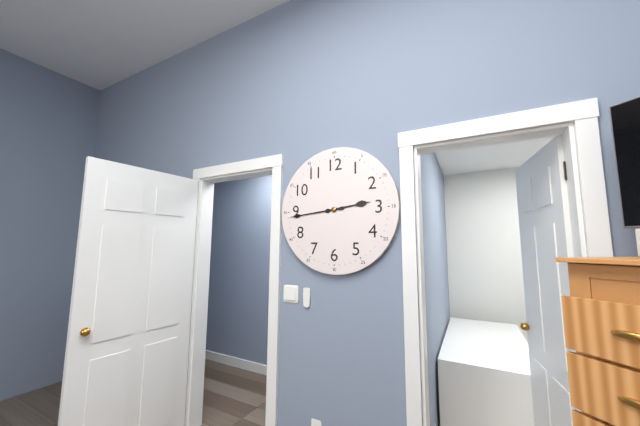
{"hour": 2, "minute": 44}
